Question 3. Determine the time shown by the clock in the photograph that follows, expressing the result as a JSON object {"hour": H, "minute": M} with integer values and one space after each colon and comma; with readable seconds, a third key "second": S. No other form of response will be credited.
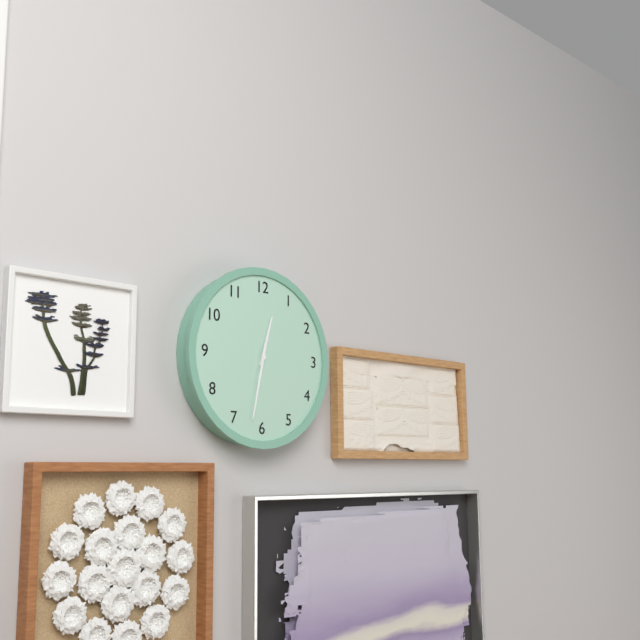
{"hour": 12, "minute": 32}
